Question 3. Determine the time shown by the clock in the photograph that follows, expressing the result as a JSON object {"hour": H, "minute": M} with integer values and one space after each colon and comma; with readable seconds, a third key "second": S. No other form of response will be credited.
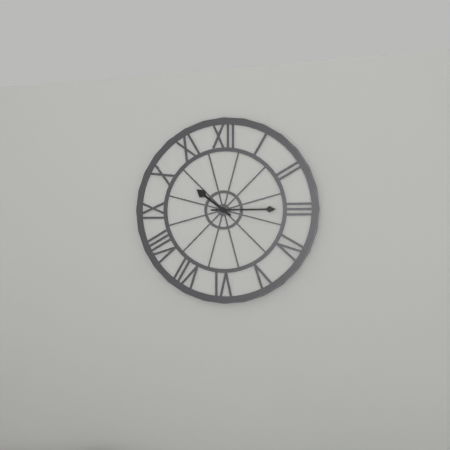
{"hour": 10, "minute": 15}
